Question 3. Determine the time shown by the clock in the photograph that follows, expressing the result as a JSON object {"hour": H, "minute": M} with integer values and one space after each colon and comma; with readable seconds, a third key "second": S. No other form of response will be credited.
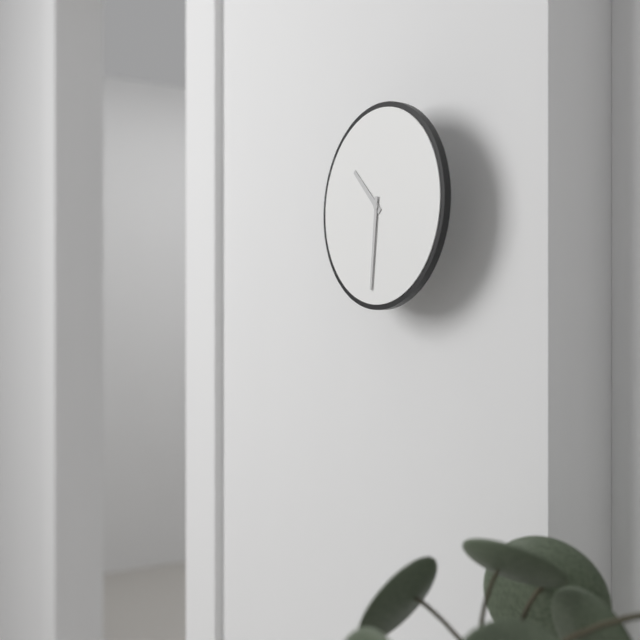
{"hour": 10, "minute": 31}
